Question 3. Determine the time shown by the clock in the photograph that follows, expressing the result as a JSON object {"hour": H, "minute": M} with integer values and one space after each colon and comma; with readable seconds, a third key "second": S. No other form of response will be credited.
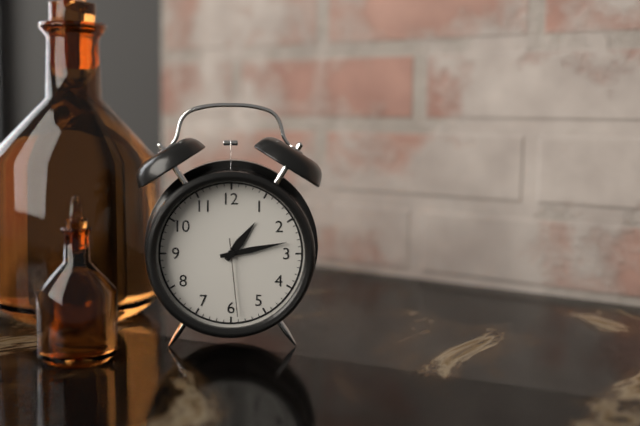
{"hour": 1, "minute": 13, "second": 29}
